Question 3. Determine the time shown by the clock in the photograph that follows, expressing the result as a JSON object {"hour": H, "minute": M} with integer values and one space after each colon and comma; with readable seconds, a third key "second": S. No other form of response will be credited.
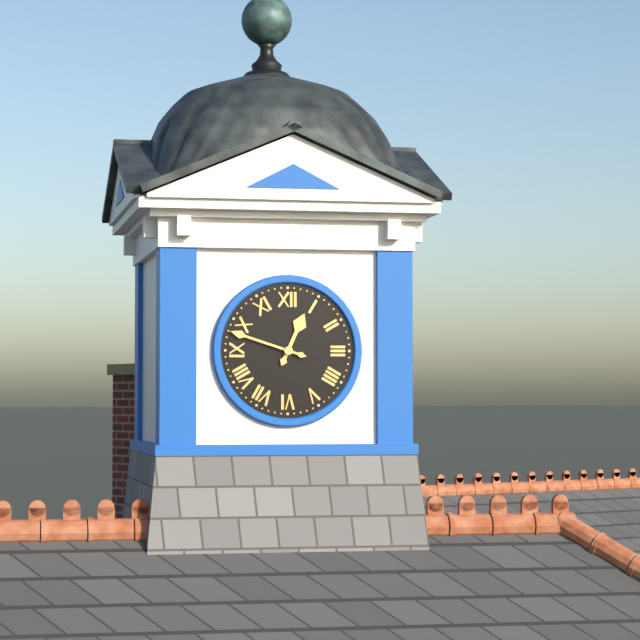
{"hour": 12, "minute": 48}
